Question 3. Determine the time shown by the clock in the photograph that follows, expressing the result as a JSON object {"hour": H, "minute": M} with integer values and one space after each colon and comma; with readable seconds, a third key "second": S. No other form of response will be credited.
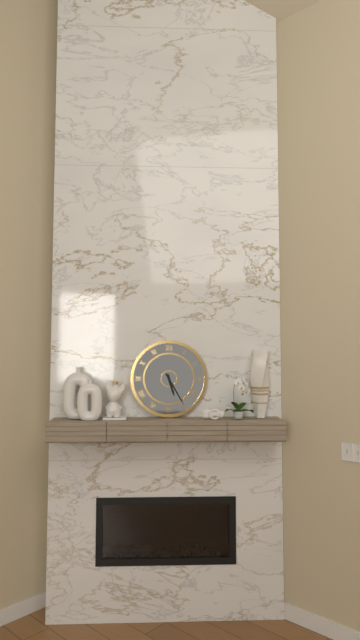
{"hour": 5, "minute": 25}
